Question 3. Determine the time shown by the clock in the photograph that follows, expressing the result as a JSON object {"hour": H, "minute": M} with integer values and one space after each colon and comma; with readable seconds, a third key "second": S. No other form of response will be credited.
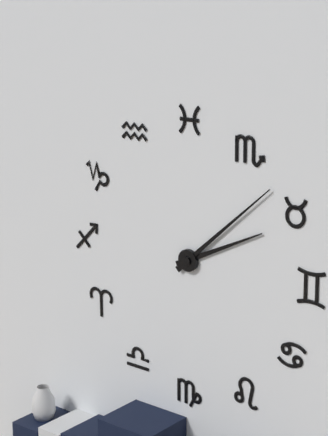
{"hour": 2, "minute": 8}
